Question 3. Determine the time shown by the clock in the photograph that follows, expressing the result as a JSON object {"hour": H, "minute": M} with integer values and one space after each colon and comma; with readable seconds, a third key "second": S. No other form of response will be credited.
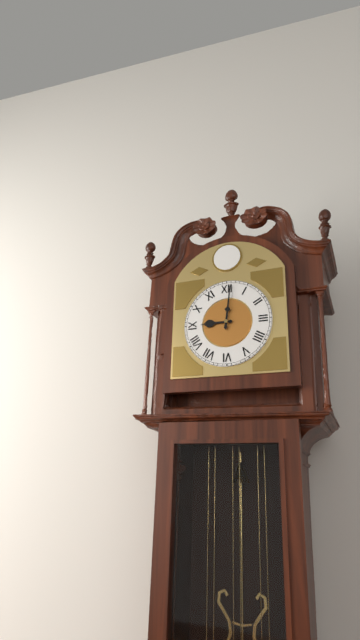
{"hour": 9, "minute": 1}
